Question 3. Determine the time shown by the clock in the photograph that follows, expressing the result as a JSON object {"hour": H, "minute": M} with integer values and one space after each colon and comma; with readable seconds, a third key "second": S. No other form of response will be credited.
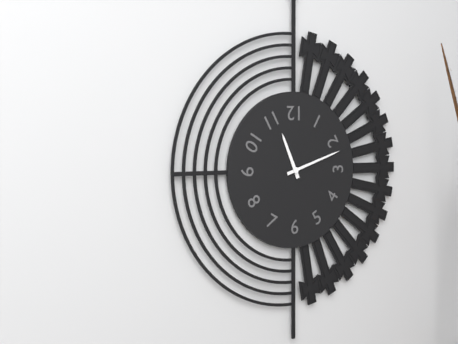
{"hour": 11, "minute": 12}
